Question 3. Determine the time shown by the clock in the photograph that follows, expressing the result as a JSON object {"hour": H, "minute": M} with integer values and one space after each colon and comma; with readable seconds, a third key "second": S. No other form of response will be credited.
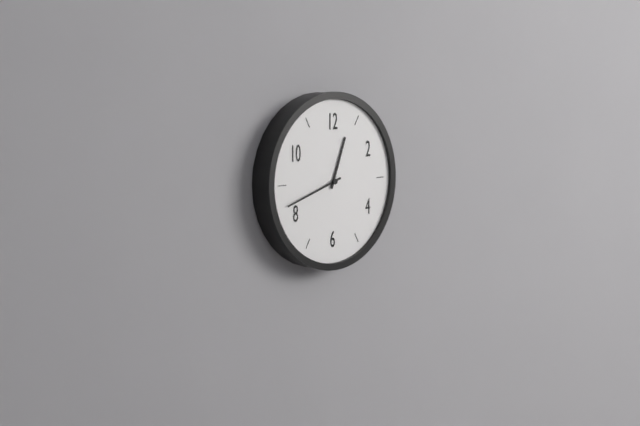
{"hour": 12, "minute": 42}
